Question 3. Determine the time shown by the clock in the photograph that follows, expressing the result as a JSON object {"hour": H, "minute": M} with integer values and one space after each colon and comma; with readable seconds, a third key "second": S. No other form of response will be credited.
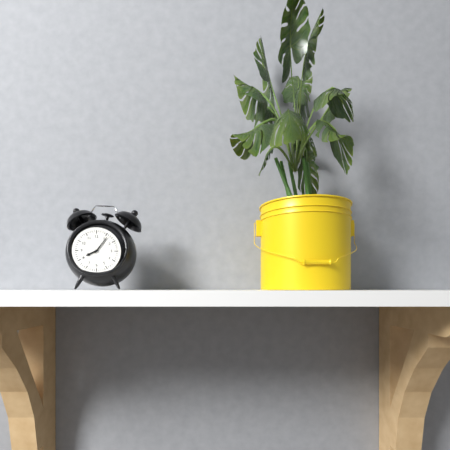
{"hour": 8, "minute": 6}
